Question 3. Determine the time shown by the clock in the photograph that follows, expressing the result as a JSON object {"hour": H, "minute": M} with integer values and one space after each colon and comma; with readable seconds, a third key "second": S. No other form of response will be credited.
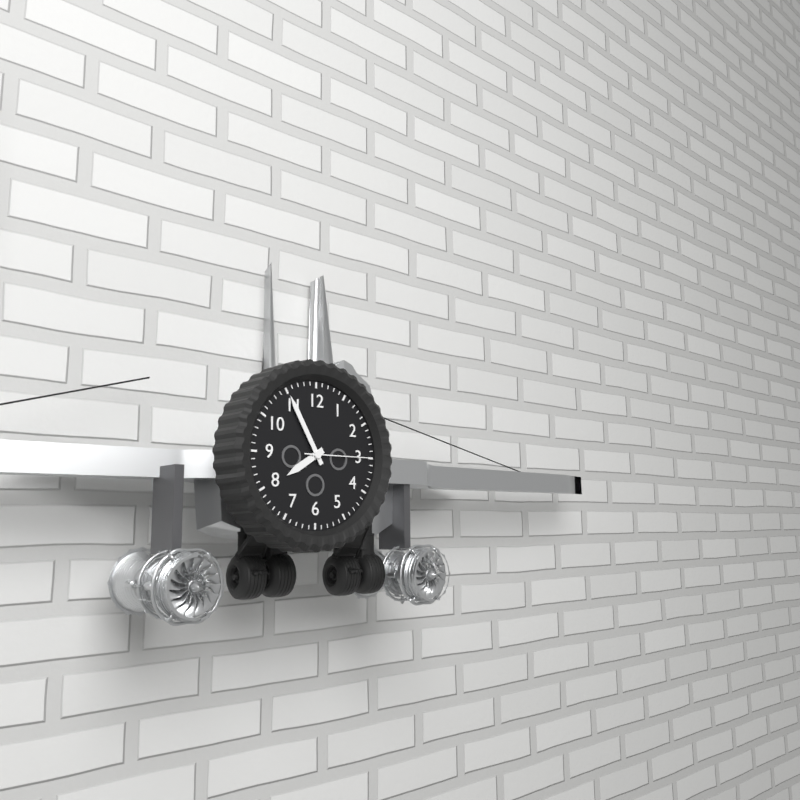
{"hour": 7, "minute": 55, "second": 15}
